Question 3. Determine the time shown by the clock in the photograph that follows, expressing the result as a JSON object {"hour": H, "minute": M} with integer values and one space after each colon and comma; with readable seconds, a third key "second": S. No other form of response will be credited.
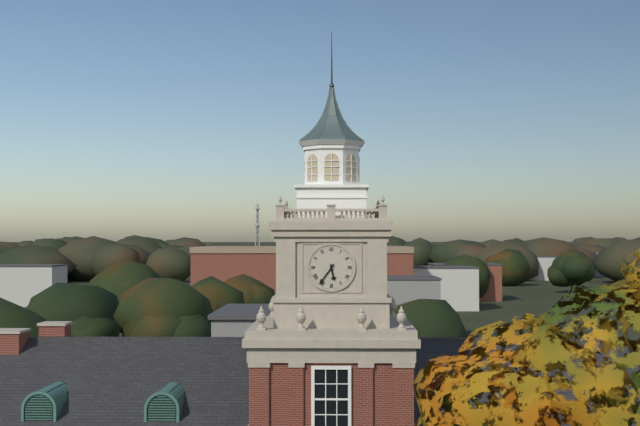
{"hour": 5, "minute": 36}
